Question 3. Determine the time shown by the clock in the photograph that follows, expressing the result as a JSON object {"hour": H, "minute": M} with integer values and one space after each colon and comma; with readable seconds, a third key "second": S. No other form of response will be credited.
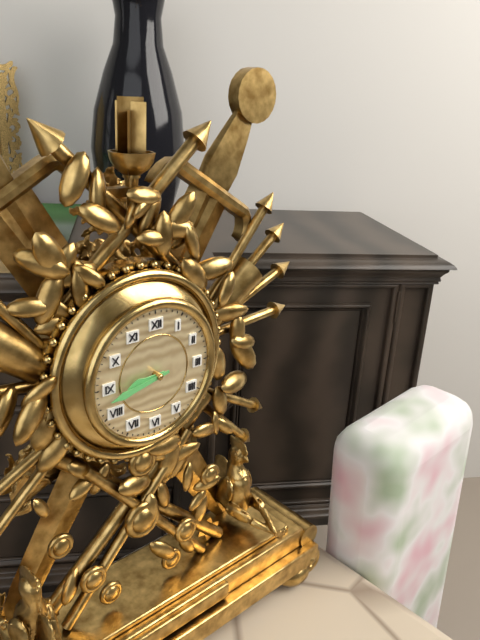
{"hour": 8, "minute": 43}
